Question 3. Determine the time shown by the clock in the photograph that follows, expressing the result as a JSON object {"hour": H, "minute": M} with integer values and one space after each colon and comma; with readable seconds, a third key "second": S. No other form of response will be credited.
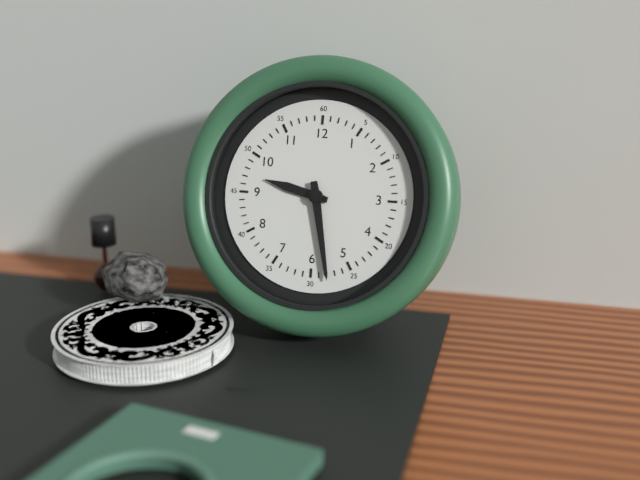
{"hour": 9, "minute": 28}
